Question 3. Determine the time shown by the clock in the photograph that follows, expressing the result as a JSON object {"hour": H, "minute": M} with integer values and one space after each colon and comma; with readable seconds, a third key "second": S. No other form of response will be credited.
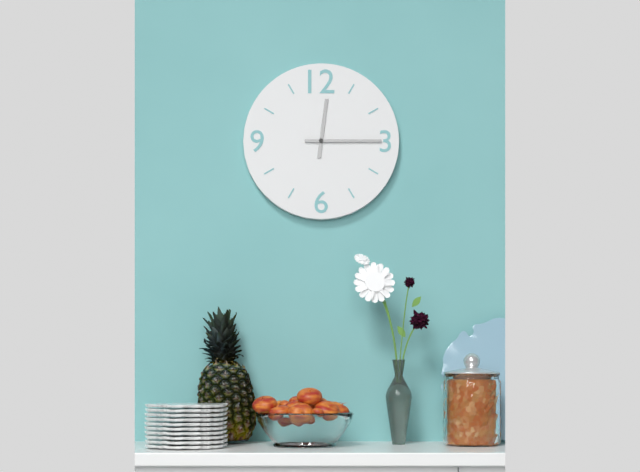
{"hour": 12, "minute": 15}
